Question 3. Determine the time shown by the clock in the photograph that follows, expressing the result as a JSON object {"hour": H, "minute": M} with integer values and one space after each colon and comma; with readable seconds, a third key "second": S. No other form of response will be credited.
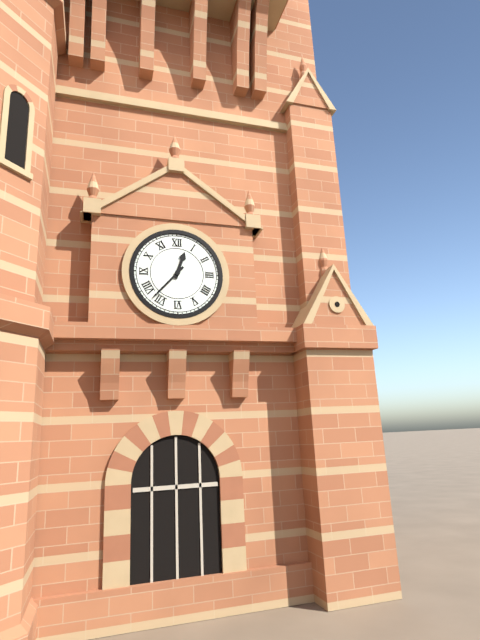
{"hour": 12, "minute": 37}
